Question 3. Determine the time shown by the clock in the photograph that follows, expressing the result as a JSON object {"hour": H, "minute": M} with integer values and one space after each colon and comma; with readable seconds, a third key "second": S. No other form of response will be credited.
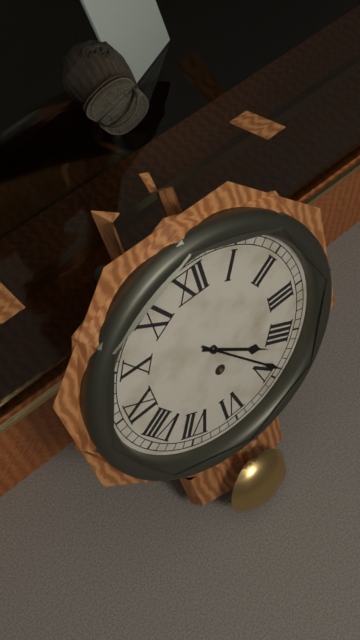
{"hour": 4, "minute": 24}
